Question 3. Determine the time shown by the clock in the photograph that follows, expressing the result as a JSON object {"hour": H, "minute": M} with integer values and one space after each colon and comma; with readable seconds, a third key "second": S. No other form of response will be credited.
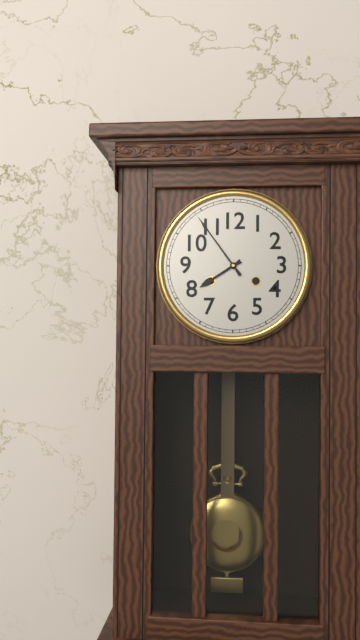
{"hour": 7, "minute": 54}
